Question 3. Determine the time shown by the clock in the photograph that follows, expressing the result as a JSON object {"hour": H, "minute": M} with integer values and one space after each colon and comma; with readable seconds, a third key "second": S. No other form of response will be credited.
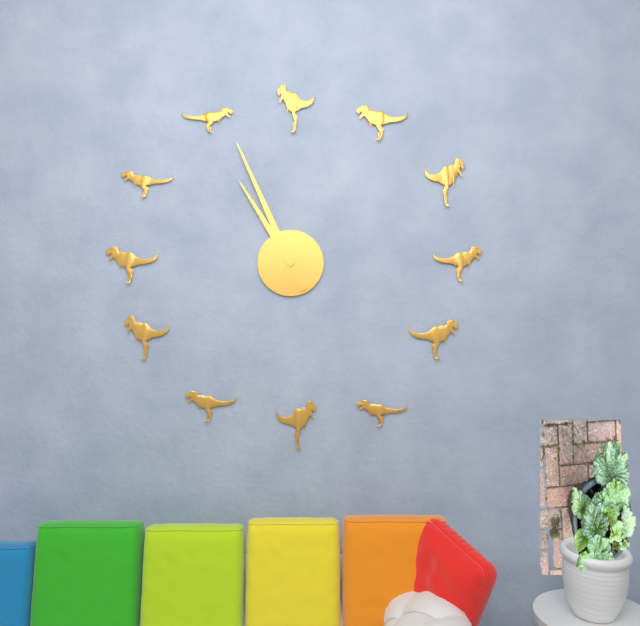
{"hour": 10, "minute": 56}
